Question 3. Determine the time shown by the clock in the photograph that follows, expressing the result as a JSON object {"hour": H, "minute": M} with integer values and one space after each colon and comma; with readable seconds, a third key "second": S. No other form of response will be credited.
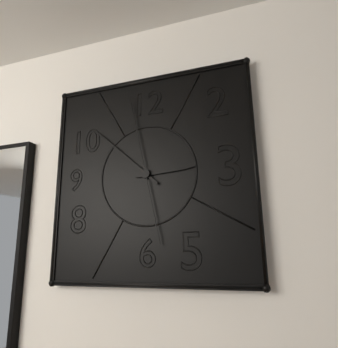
{"hour": 2, "minute": 52, "second": 58}
